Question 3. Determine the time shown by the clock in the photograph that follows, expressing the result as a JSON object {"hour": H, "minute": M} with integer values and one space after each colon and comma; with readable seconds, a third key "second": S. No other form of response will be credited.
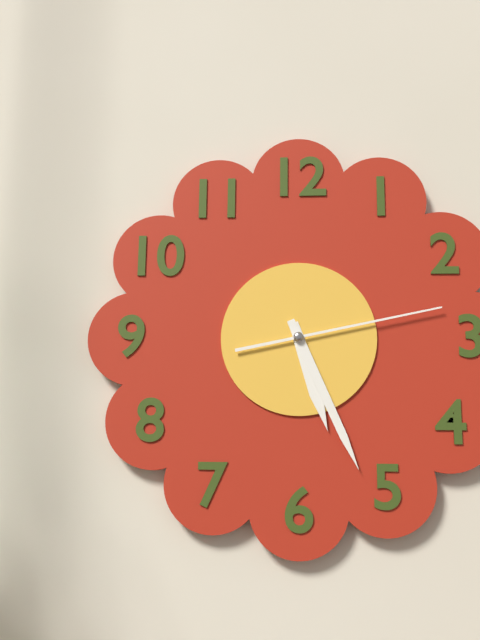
{"hour": 5, "minute": 26, "second": 13}
